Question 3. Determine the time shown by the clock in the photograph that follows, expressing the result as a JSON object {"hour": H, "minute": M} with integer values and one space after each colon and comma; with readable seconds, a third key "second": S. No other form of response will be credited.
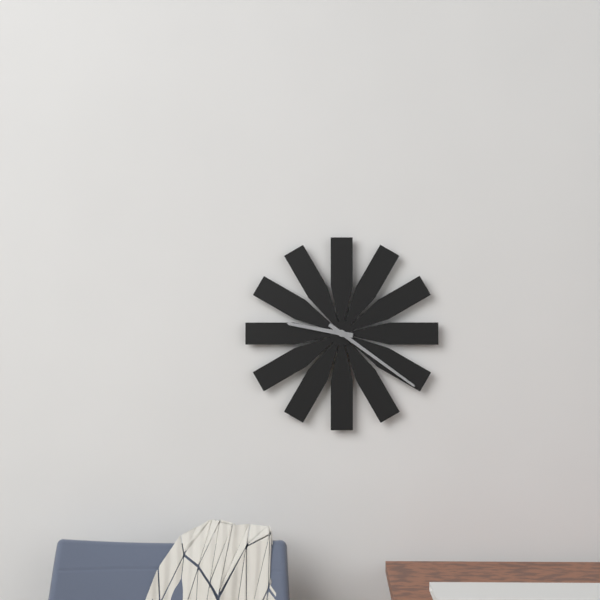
{"hour": 9, "minute": 21}
